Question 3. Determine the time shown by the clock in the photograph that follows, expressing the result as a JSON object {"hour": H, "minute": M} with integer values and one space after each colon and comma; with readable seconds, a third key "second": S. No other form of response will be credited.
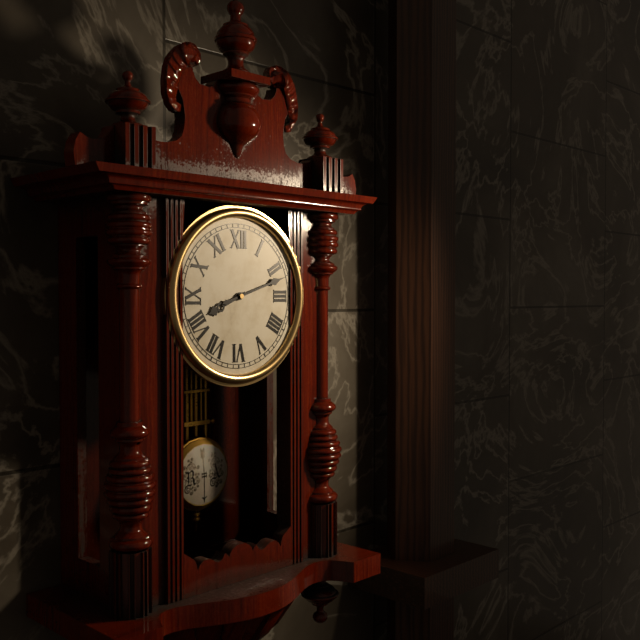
{"hour": 8, "minute": 12}
